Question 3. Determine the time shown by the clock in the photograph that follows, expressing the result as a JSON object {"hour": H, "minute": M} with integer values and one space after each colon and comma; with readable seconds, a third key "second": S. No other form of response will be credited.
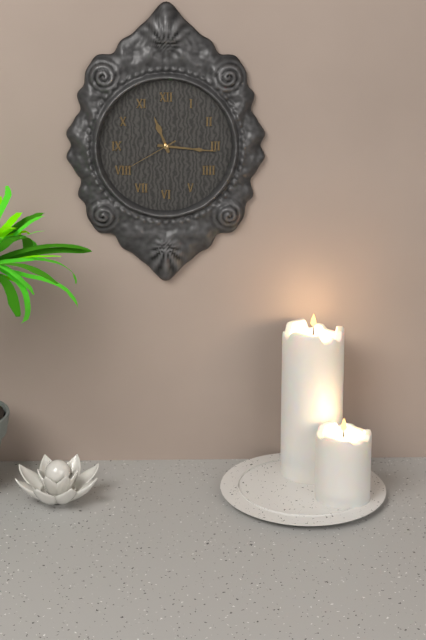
{"hour": 11, "minute": 16, "second": 40}
